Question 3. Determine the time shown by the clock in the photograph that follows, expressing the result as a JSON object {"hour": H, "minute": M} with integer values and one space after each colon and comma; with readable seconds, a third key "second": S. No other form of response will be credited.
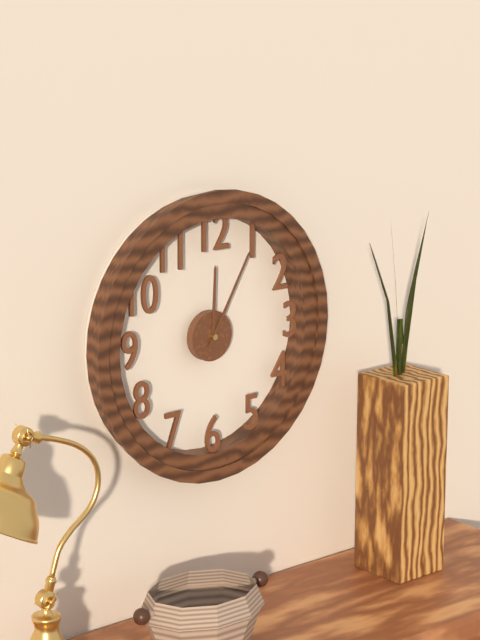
{"hour": 12, "minute": 5}
